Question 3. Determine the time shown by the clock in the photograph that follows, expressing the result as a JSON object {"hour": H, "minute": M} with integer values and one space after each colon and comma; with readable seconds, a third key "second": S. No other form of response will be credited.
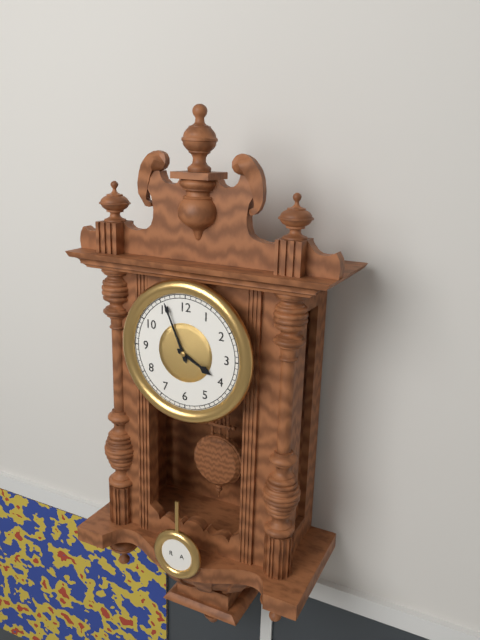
{"hour": 3, "minute": 56}
